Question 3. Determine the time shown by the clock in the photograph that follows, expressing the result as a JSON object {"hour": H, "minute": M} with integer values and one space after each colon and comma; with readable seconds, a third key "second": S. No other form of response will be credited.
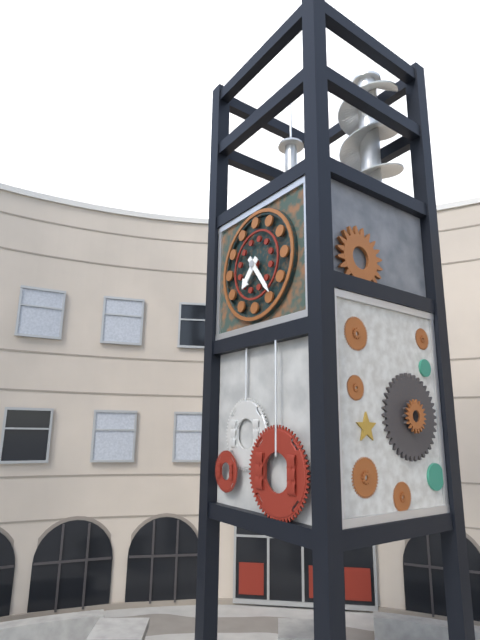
{"hour": 7, "minute": 24}
